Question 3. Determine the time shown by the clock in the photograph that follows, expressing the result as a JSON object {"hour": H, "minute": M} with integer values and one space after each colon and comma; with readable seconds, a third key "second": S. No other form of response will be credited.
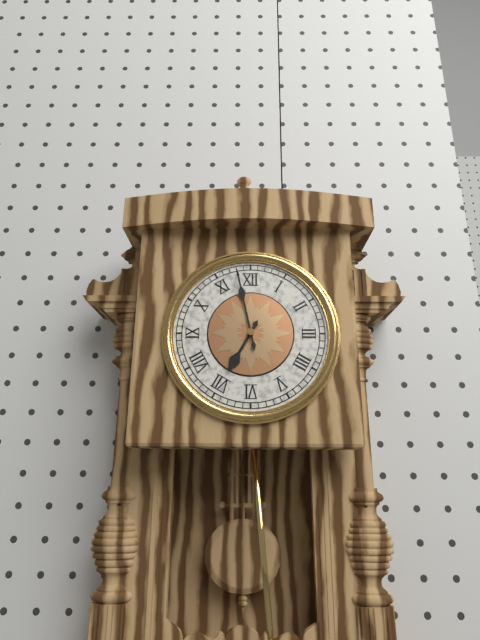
{"hour": 6, "minute": 58}
